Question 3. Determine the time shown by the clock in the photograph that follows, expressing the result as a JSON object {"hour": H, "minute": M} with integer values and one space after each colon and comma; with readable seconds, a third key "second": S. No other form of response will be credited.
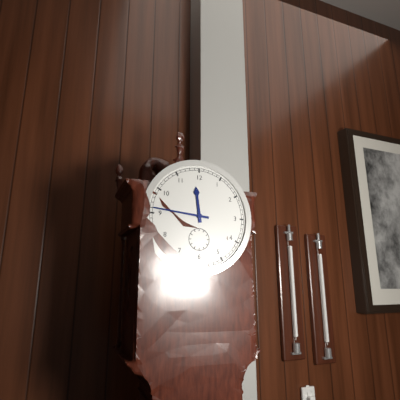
{"hour": 11, "minute": 46}
